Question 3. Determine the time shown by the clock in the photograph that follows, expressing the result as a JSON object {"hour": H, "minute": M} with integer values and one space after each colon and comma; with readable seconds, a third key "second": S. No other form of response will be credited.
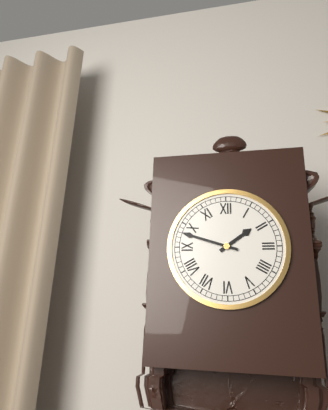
{"hour": 1, "minute": 48}
